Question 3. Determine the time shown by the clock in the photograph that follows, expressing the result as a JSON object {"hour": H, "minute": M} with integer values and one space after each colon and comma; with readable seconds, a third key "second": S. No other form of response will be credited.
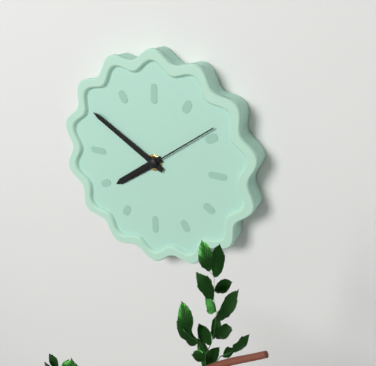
{"hour": 7, "minute": 50, "second": 9}
